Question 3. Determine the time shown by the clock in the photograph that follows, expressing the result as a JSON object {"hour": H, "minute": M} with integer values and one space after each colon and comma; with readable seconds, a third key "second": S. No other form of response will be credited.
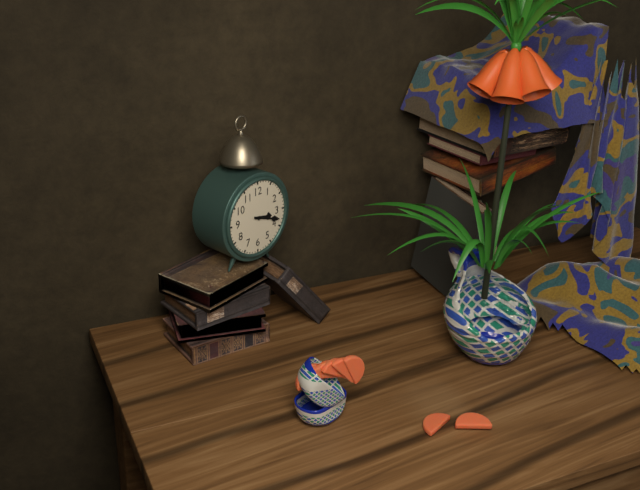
{"hour": 3, "minute": 18}
